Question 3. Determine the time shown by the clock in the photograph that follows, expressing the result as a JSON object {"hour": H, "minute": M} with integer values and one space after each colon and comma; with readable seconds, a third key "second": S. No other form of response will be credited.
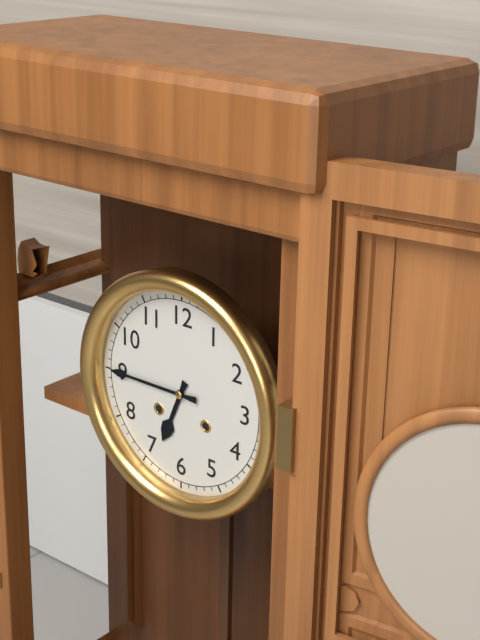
{"hour": 6, "minute": 45}
